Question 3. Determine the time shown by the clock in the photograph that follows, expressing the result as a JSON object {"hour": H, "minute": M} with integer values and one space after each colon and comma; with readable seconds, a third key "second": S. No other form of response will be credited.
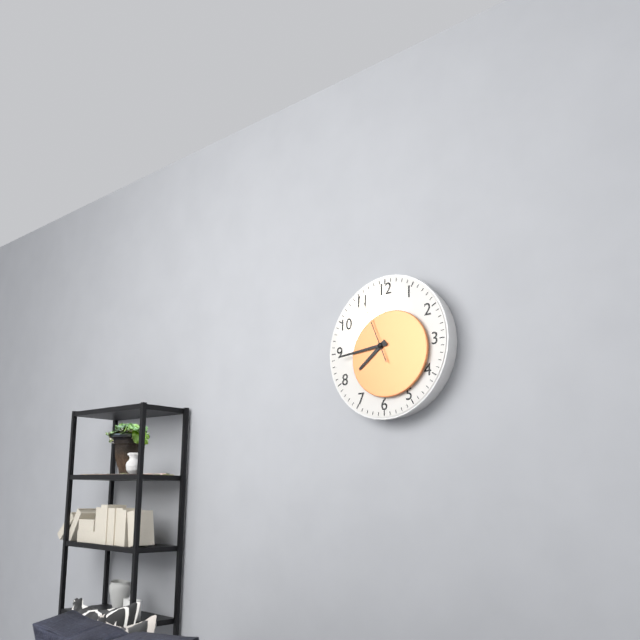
{"hour": 7, "minute": 44, "second": 56}
